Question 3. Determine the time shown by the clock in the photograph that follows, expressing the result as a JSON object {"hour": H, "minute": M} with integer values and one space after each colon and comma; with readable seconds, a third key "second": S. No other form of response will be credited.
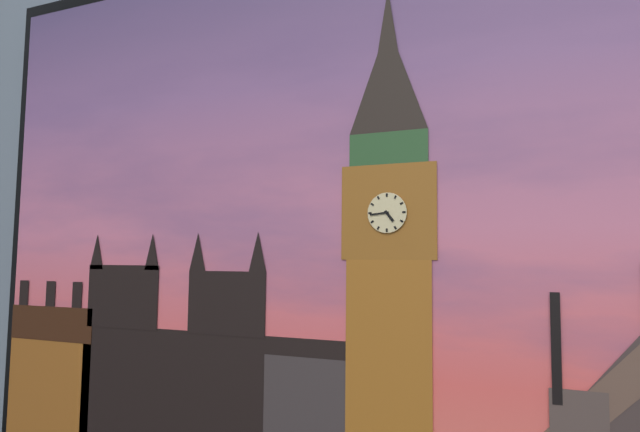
{"hour": 4, "minute": 44}
